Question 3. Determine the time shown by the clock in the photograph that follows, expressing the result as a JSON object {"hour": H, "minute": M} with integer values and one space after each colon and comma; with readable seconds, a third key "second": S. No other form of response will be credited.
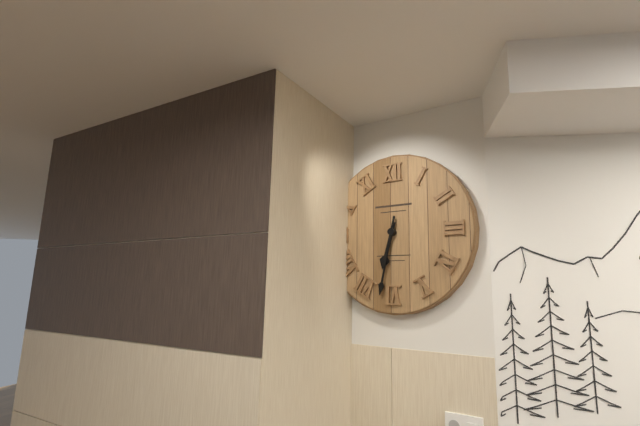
{"hour": 6, "minute": 32}
